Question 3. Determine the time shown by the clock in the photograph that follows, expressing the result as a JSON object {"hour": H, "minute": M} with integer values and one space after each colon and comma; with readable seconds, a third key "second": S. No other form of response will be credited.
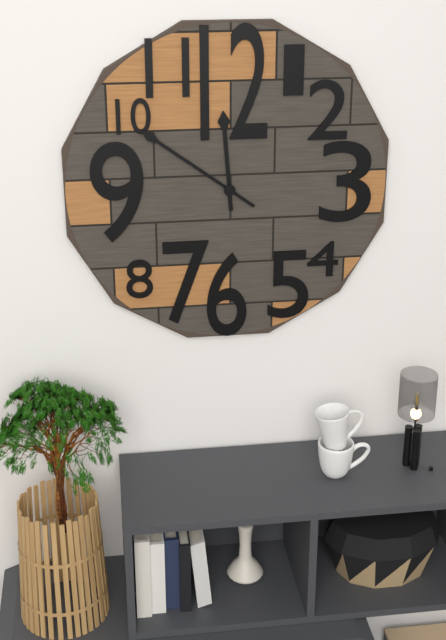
{"hour": 11, "minute": 51}
